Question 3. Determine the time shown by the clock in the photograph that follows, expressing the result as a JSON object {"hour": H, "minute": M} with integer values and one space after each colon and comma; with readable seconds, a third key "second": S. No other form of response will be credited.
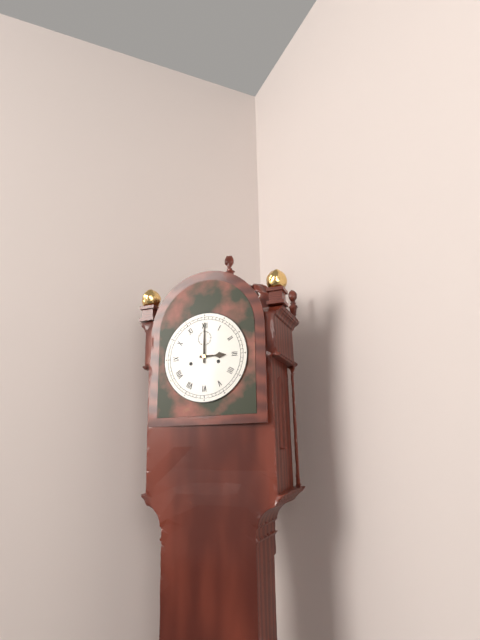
{"hour": 3, "minute": 0}
